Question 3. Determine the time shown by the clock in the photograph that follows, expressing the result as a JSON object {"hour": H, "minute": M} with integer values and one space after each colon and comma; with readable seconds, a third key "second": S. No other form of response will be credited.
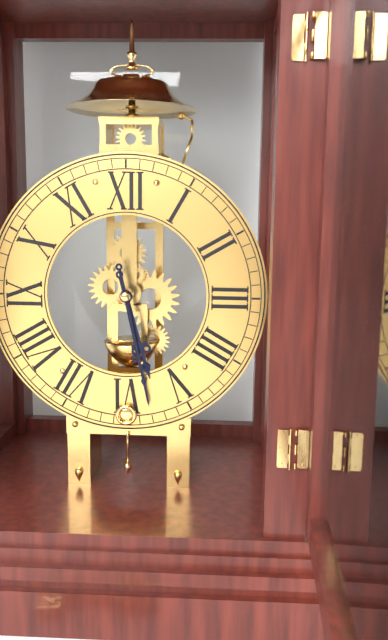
{"hour": 5, "minute": 28}
